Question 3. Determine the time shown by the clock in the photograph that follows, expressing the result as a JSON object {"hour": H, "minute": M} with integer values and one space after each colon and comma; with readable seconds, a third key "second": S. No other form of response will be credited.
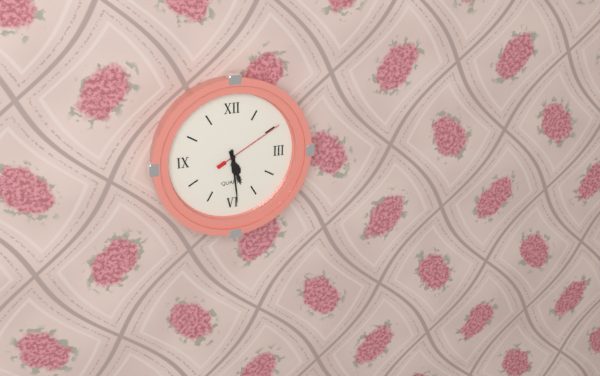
{"hour": 5, "minute": 29, "second": 10}
